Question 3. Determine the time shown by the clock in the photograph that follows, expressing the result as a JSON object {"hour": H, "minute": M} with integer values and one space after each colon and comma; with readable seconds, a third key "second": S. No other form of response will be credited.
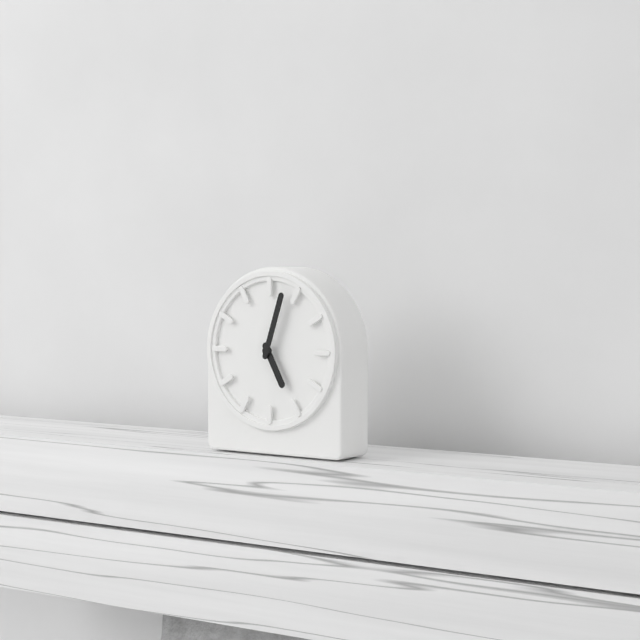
{"hour": 5, "minute": 3}
